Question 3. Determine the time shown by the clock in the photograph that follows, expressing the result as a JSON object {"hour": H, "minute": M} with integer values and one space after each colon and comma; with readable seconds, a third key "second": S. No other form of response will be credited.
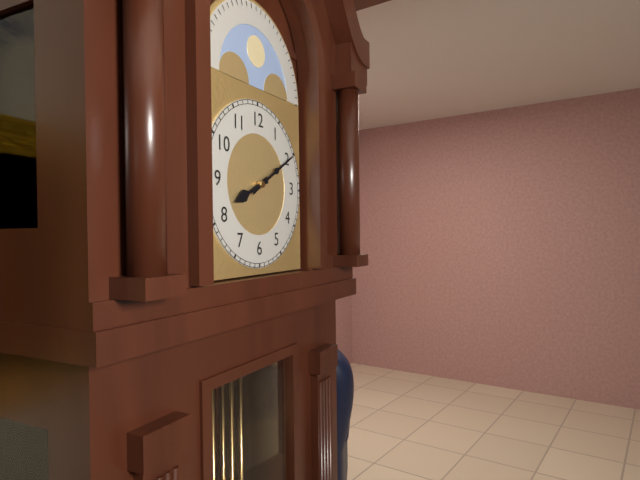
{"hour": 8, "minute": 10}
